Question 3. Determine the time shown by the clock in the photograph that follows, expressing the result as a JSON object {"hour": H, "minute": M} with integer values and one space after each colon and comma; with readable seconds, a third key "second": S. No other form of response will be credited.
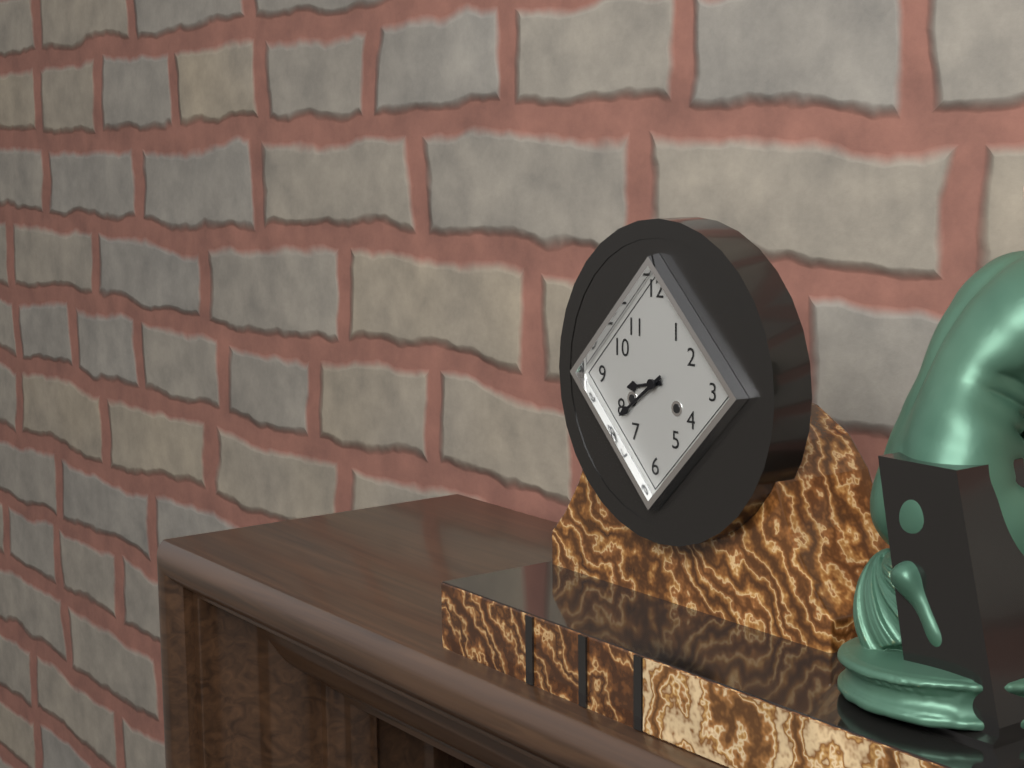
{"hour": 8, "minute": 39}
